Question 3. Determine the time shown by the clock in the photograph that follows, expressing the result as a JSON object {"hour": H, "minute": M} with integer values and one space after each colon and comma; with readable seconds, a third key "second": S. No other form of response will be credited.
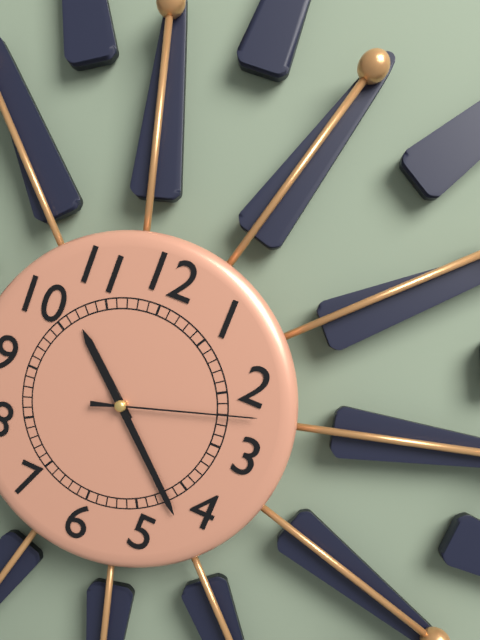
{"hour": 10, "minute": 22, "second": 12}
